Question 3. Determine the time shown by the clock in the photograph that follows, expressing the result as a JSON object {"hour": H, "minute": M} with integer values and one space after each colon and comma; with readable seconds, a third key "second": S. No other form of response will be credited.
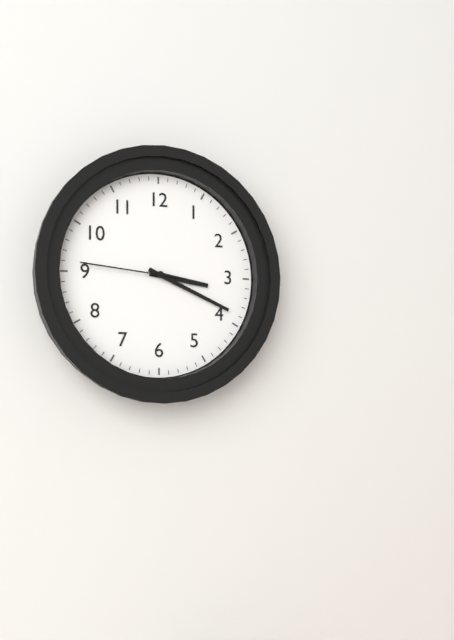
{"hour": 3, "minute": 19, "second": 46}
